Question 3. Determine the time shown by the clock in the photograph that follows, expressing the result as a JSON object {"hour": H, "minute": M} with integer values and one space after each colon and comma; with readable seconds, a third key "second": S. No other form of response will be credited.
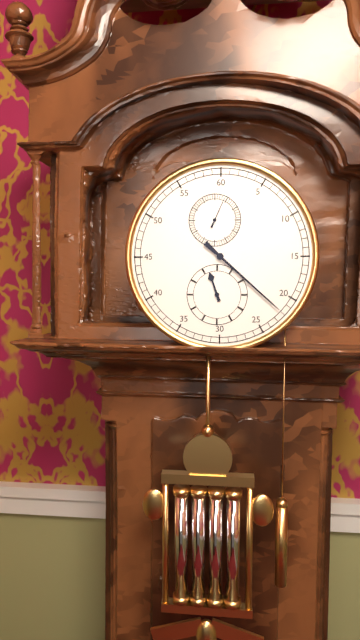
{"hour": 11, "minute": 22}
